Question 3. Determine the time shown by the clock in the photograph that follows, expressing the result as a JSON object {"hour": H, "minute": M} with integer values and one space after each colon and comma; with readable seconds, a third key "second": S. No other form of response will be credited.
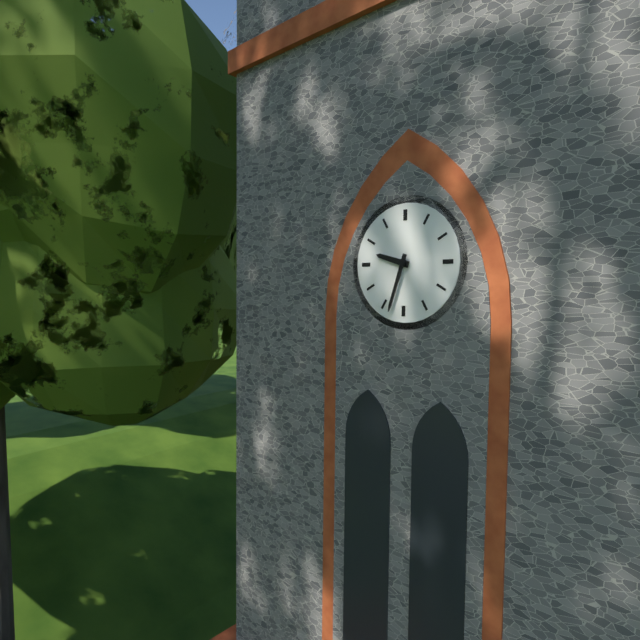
{"hour": 9, "minute": 33}
